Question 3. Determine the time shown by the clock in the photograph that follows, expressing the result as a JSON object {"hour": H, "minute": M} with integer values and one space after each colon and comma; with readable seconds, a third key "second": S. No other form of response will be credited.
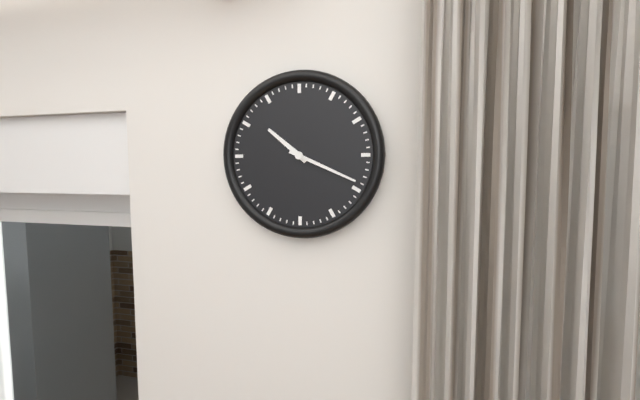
{"hour": 10, "minute": 19}
